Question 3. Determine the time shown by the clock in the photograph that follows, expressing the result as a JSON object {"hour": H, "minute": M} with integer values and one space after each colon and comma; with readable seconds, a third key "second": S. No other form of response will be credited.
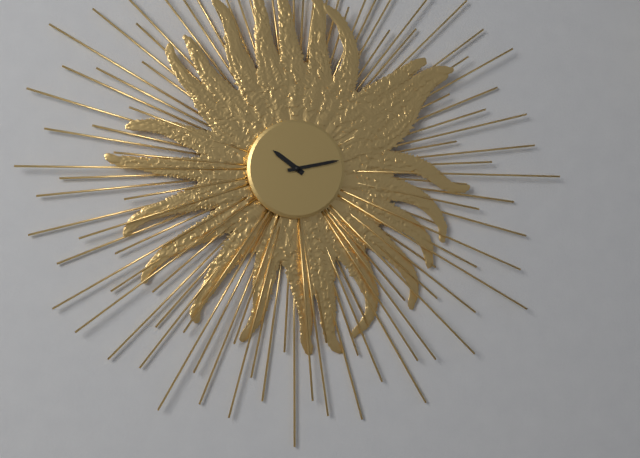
{"hour": 10, "minute": 13}
